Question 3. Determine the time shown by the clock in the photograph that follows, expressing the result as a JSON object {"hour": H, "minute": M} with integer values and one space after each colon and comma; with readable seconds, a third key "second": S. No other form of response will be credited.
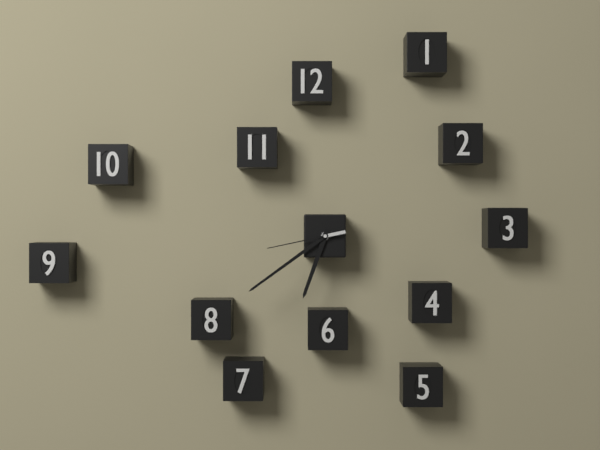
{"hour": 6, "minute": 39, "second": 43}
